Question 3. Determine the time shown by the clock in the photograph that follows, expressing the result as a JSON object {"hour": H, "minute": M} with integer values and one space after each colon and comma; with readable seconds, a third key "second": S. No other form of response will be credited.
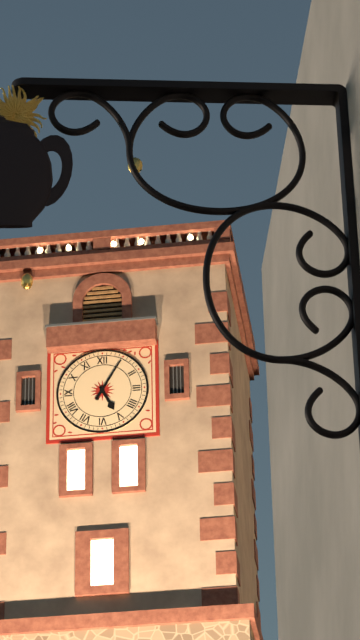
{"hour": 5, "minute": 5}
